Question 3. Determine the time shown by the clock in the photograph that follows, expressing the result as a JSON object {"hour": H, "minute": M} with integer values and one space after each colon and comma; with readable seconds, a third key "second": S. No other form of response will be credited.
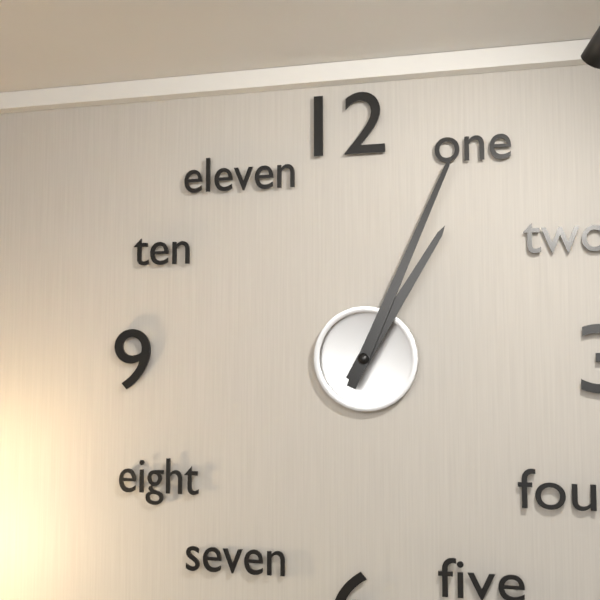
{"hour": 1, "minute": 4}
